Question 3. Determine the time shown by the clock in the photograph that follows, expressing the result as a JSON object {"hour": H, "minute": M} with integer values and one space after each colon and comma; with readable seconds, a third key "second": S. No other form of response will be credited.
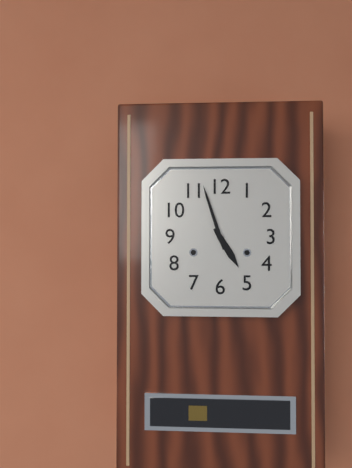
{"hour": 4, "minute": 57}
